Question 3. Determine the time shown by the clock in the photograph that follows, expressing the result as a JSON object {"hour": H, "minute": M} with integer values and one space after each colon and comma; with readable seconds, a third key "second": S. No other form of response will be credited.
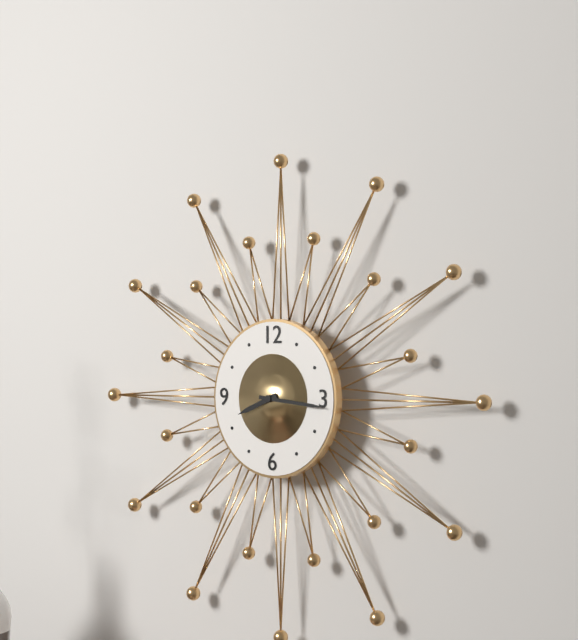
{"hour": 8, "minute": 16}
